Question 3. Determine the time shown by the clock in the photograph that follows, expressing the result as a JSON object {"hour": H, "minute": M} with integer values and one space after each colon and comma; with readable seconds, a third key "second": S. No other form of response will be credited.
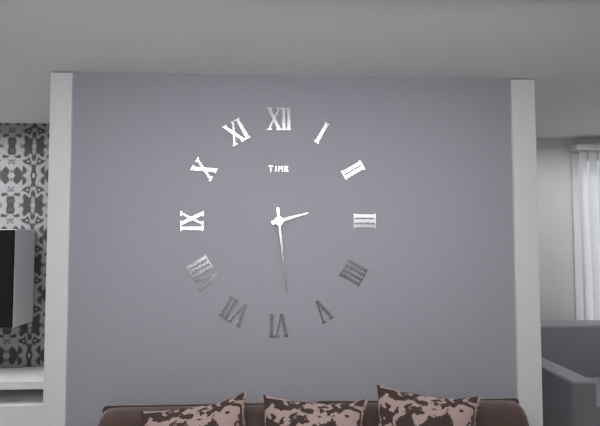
{"hour": 2, "minute": 29}
